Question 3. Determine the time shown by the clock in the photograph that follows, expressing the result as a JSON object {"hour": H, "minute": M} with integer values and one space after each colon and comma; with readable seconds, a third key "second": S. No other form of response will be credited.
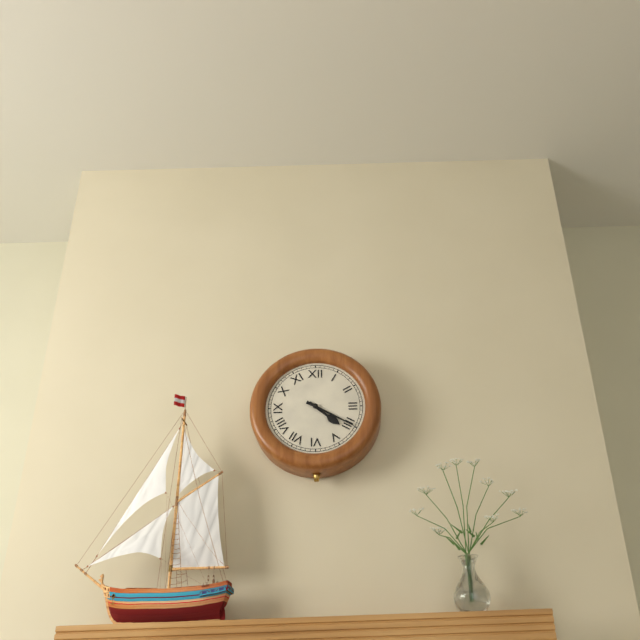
{"hour": 4, "minute": 20}
